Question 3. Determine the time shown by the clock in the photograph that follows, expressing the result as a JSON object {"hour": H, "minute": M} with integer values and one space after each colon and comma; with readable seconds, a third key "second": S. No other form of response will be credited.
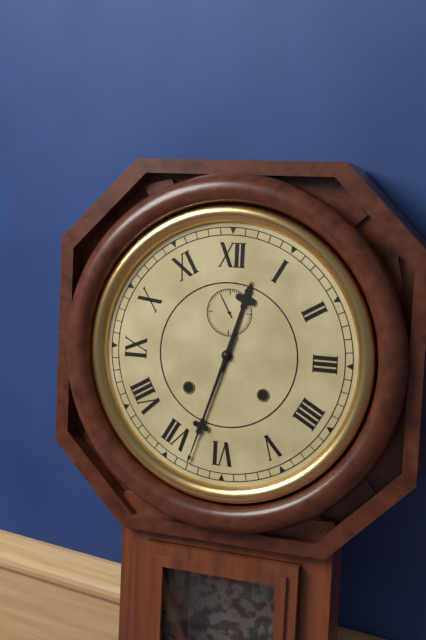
{"hour": 12, "minute": 33}
